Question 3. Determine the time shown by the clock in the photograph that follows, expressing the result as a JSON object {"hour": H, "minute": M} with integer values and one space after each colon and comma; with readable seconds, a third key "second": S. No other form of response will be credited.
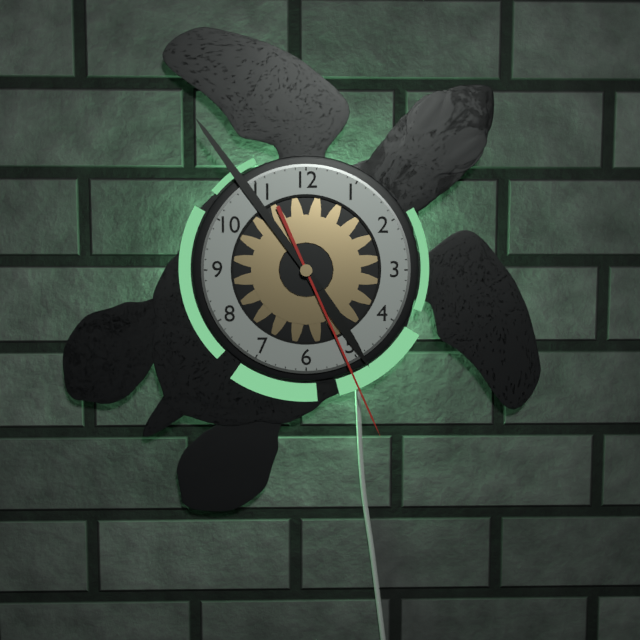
{"hour": 4, "minute": 54, "second": 26}
